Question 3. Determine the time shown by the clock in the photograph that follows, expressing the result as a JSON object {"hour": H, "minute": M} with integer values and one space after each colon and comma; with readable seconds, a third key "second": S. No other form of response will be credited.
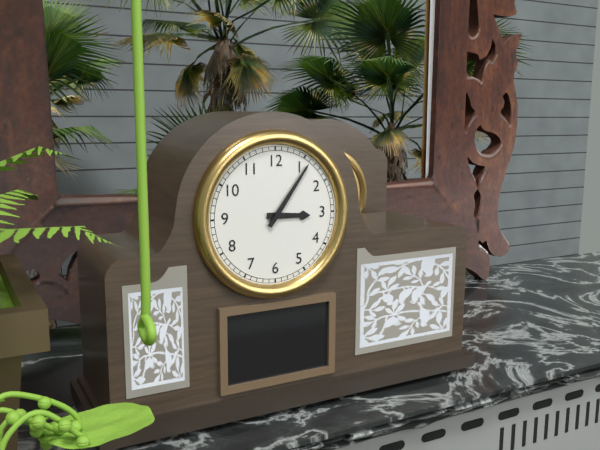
{"hour": 3, "minute": 6}
